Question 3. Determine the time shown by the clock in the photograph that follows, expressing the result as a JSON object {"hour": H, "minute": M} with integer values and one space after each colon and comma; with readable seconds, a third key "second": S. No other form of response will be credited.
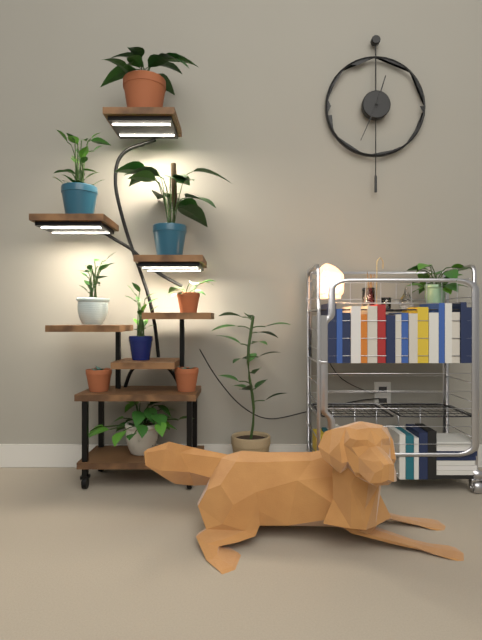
{"hour": 12, "minute": 34}
